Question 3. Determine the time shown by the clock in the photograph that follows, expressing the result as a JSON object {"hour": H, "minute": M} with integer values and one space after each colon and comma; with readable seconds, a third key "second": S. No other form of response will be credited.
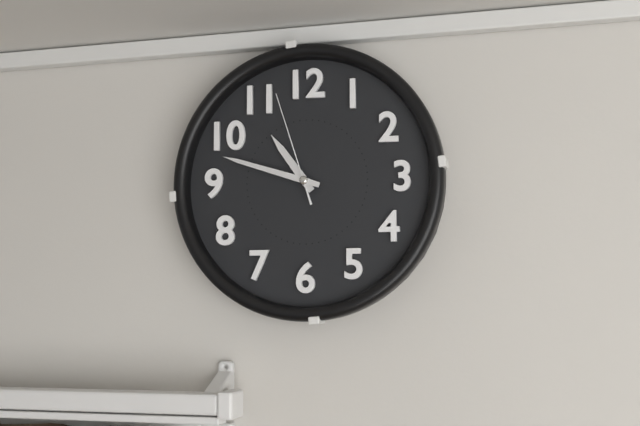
{"hour": 10, "minute": 48, "second": 57}
